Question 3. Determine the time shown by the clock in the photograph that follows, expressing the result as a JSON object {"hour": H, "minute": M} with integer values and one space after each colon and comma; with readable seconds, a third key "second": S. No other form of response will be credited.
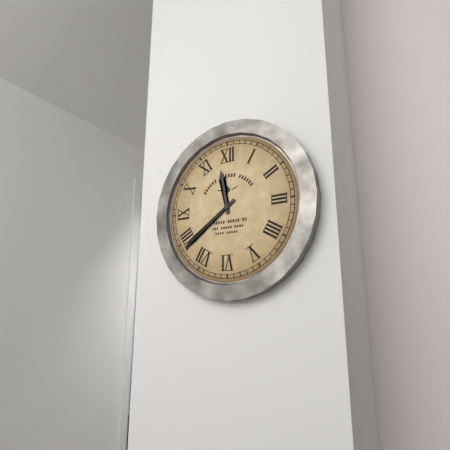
{"hour": 11, "minute": 39}
